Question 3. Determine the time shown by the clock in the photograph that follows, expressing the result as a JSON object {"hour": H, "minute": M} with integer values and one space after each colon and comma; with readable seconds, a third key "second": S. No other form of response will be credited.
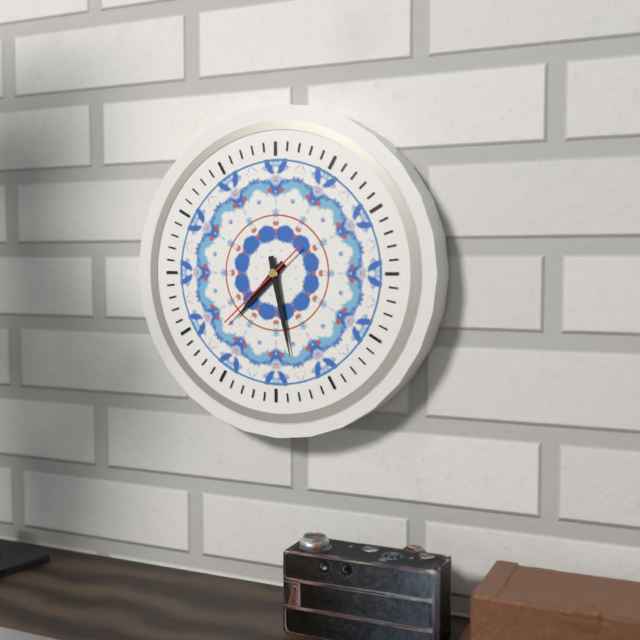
{"hour": 7, "minute": 28, "second": 38}
